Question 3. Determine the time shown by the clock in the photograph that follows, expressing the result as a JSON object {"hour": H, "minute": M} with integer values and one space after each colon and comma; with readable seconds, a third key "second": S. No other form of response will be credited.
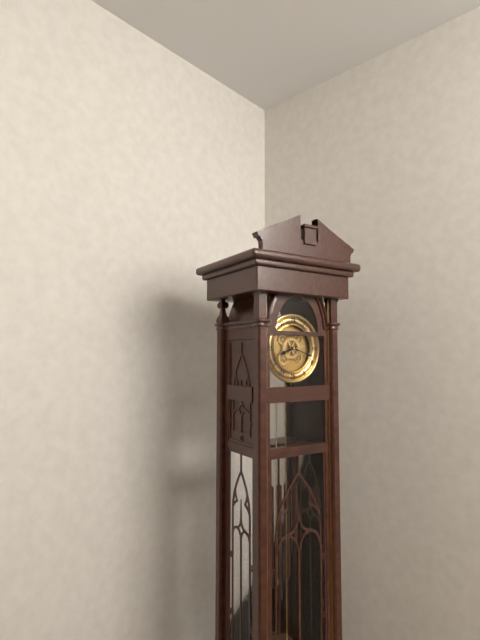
{"hour": 8, "minute": 18}
